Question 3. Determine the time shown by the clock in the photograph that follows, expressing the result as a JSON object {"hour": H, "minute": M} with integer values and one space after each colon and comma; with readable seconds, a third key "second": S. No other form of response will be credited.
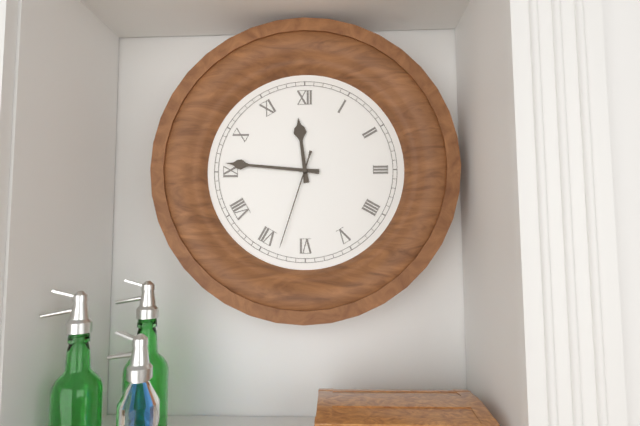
{"hour": 11, "minute": 46, "second": 33}
